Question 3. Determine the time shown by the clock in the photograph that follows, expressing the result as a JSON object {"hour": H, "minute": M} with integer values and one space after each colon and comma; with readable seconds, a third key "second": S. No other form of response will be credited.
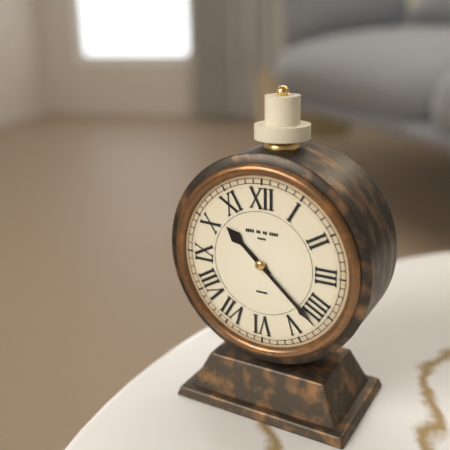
{"hour": 10, "minute": 22}
